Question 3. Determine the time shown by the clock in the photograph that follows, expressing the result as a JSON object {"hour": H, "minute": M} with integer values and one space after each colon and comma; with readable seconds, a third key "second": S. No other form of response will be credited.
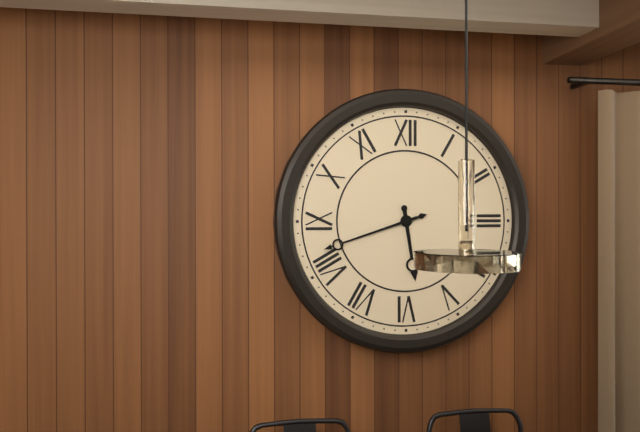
{"hour": 5, "minute": 42}
